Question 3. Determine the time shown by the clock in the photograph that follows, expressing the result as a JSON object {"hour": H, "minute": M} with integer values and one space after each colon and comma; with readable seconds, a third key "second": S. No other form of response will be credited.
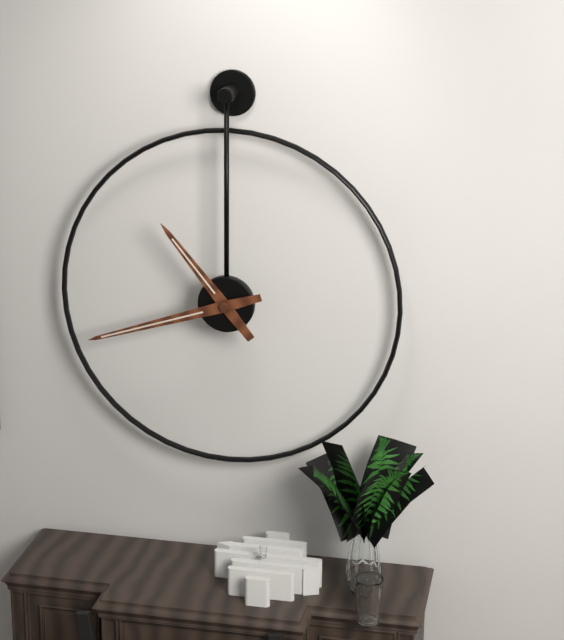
{"hour": 10, "minute": 42}
